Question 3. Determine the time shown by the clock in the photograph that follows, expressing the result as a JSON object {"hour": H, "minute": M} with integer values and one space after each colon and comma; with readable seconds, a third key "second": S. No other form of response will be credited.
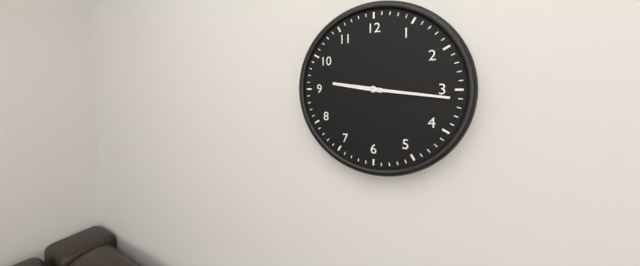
{"hour": 9, "minute": 16}
